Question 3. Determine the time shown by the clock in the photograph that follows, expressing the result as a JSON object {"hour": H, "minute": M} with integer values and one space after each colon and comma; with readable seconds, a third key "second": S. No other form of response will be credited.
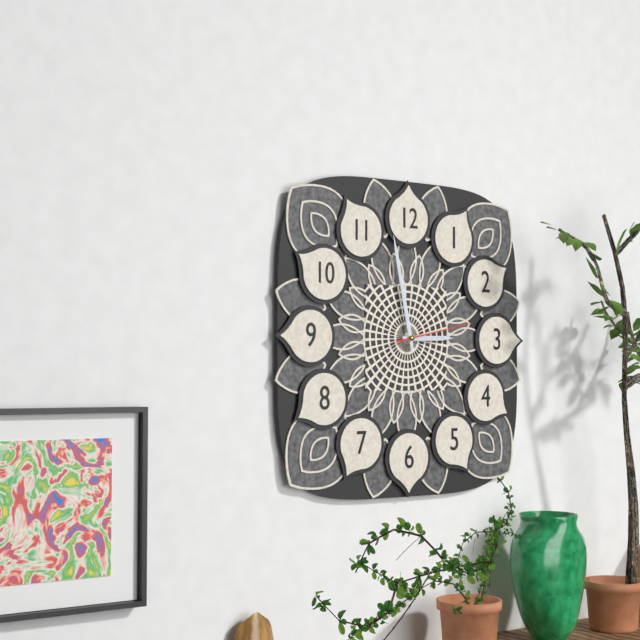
{"hour": 2, "minute": 58, "second": 13}
